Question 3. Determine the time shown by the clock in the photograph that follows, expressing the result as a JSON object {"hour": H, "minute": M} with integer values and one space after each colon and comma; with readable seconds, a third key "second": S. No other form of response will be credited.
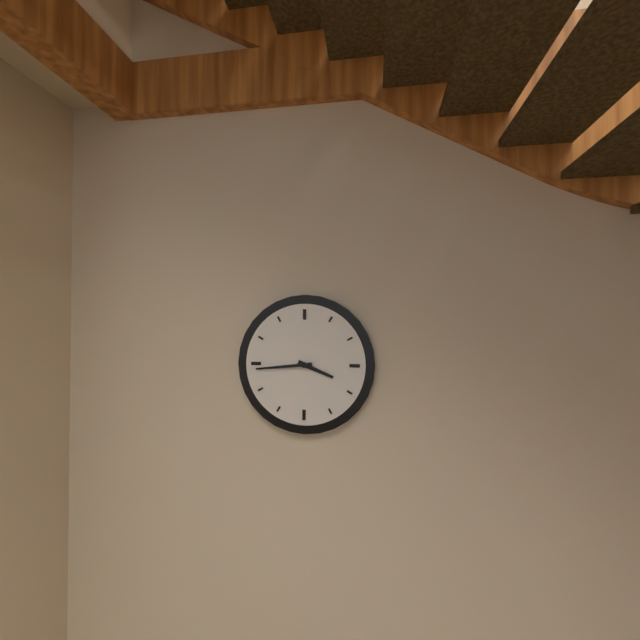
{"hour": 3, "minute": 44}
